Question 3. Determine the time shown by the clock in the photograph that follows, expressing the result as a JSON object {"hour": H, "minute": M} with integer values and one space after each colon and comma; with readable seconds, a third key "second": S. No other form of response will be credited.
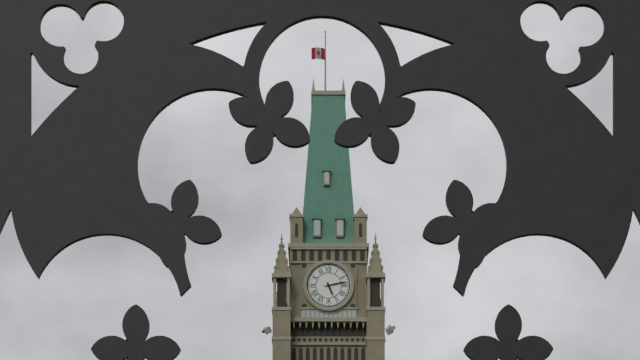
{"hour": 5, "minute": 13}
